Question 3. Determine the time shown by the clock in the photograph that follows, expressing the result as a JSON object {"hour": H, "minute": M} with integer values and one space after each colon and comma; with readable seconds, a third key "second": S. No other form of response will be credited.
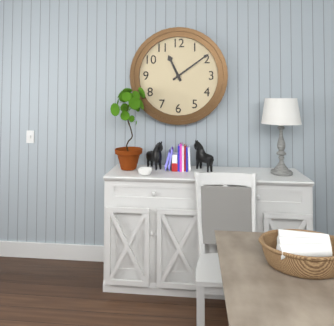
{"hour": 11, "minute": 9}
